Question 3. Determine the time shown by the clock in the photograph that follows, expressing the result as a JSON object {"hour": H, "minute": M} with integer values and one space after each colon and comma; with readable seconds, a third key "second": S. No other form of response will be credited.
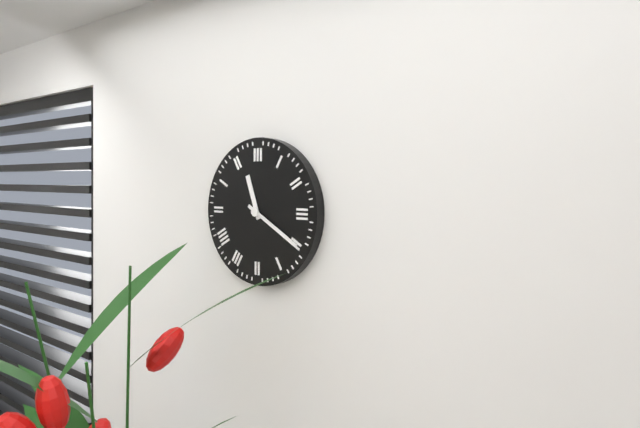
{"hour": 11, "minute": 20}
